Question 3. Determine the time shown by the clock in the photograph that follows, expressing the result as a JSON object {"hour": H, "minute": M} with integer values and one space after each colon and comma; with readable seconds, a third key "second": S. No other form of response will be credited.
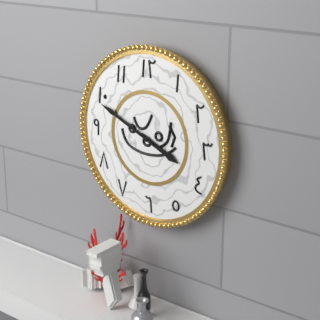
{"hour": 3, "minute": 49}
